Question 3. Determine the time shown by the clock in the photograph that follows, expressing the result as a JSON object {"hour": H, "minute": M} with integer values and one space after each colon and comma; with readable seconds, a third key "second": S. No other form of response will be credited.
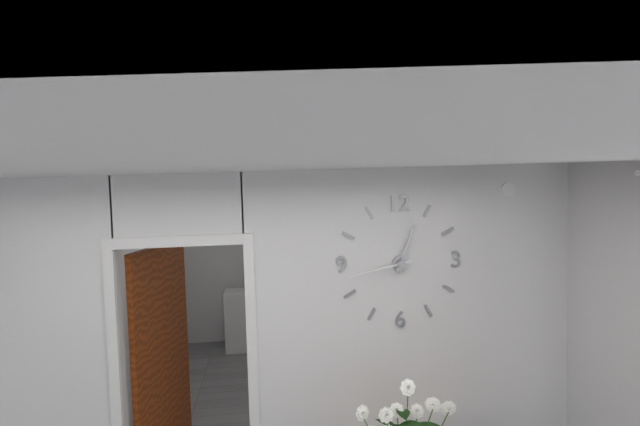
{"hour": 12, "minute": 43}
